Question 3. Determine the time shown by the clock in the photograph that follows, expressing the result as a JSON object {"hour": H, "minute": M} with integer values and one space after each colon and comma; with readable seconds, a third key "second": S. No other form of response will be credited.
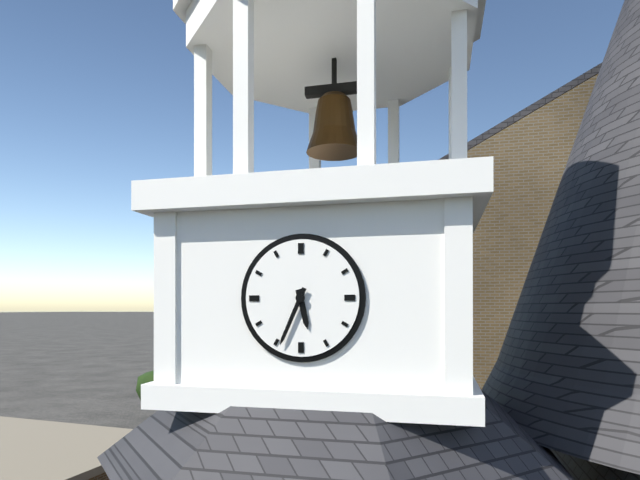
{"hour": 5, "minute": 34}
